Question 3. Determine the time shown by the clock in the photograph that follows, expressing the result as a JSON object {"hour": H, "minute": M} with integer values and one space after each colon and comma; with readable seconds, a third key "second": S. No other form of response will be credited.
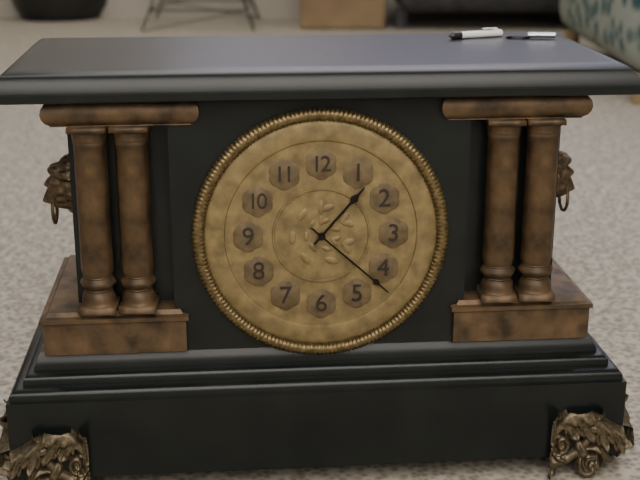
{"hour": 1, "minute": 22}
